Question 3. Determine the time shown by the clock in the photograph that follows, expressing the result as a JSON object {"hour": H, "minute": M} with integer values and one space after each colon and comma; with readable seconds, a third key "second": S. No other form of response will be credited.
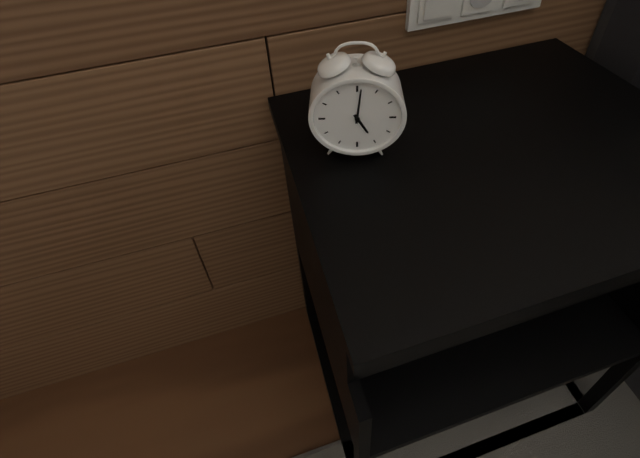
{"hour": 5, "minute": 1}
